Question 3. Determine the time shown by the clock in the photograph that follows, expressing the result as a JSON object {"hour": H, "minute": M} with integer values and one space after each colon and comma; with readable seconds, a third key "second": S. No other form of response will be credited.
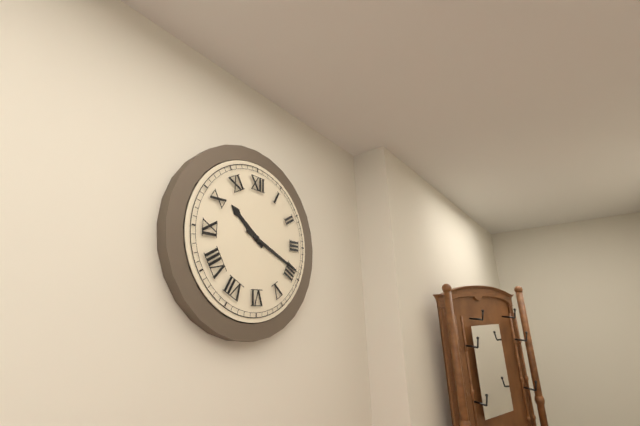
{"hour": 10, "minute": 19}
